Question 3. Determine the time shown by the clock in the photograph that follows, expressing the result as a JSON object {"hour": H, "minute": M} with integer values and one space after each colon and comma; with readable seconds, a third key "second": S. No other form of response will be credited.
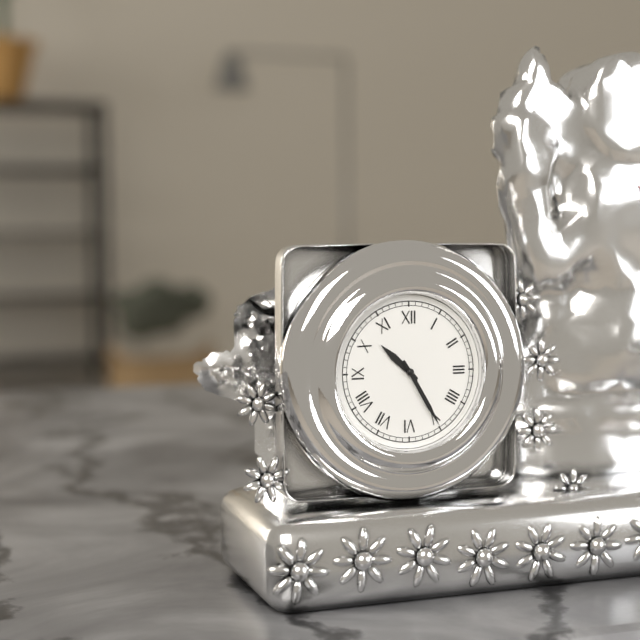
{"hour": 10, "minute": 25}
